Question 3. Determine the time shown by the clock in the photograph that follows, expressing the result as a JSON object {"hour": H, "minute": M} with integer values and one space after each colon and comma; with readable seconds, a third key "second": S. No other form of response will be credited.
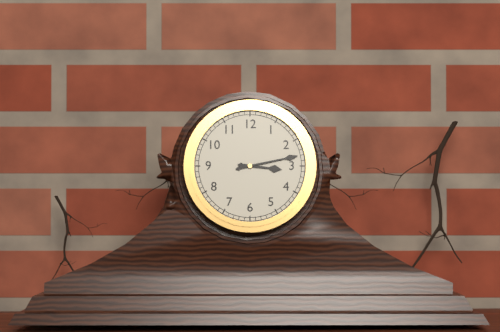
{"hour": 3, "minute": 13}
